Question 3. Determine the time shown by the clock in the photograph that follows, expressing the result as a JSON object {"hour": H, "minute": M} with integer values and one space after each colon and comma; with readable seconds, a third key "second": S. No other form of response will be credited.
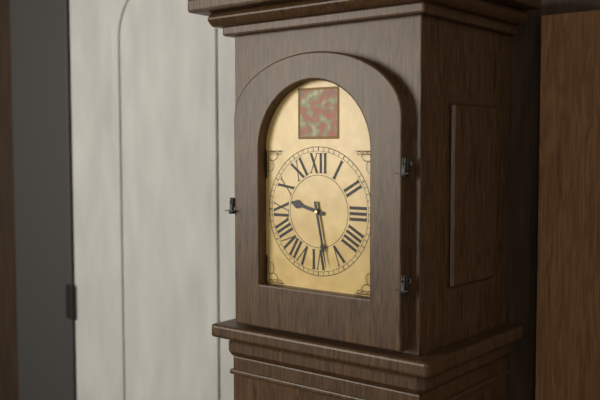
{"hour": 9, "minute": 28}
